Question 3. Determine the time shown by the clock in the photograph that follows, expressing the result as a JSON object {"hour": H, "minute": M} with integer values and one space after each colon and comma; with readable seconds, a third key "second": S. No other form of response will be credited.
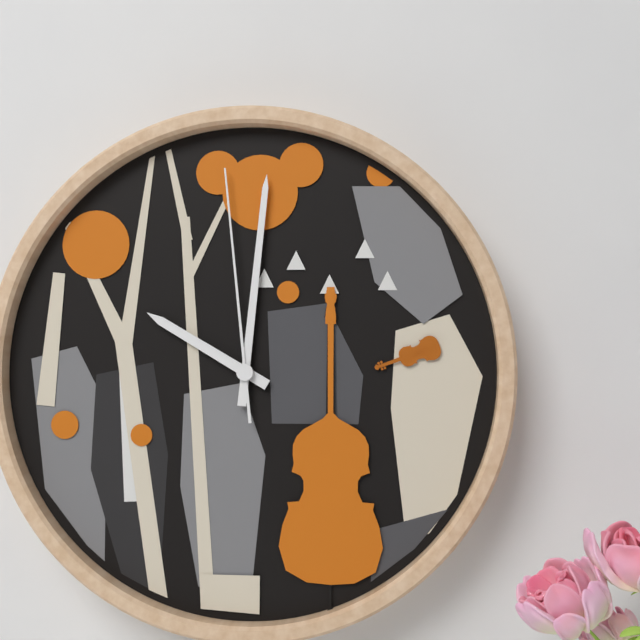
{"hour": 10, "minute": 1, "second": 59}
